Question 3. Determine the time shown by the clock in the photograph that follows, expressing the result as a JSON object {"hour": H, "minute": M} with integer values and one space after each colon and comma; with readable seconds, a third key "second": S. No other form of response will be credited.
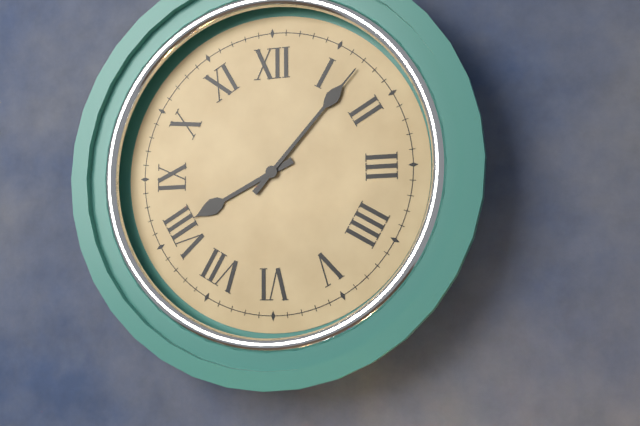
{"hour": 8, "minute": 7}
